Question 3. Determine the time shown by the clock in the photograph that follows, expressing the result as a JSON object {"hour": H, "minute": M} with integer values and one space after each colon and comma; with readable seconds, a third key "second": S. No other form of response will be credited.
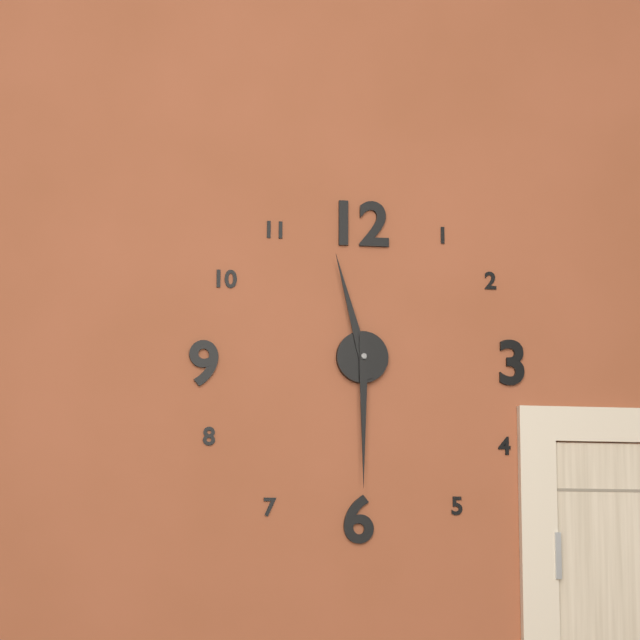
{"hour": 11, "minute": 30}
